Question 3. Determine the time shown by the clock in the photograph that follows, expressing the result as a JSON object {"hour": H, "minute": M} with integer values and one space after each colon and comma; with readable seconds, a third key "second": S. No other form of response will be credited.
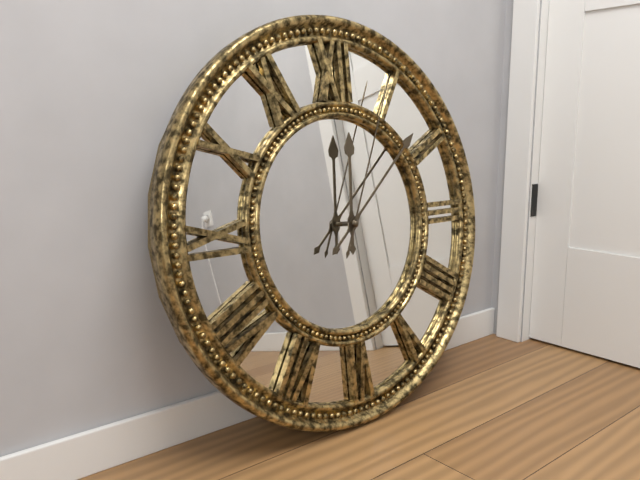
{"hour": 12, "minute": 8, "second": 4}
